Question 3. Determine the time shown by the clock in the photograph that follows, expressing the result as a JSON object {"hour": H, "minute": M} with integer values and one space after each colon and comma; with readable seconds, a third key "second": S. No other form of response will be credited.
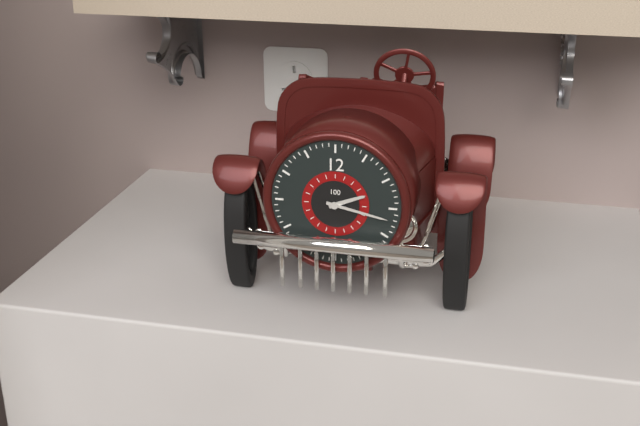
{"hour": 2, "minute": 17}
